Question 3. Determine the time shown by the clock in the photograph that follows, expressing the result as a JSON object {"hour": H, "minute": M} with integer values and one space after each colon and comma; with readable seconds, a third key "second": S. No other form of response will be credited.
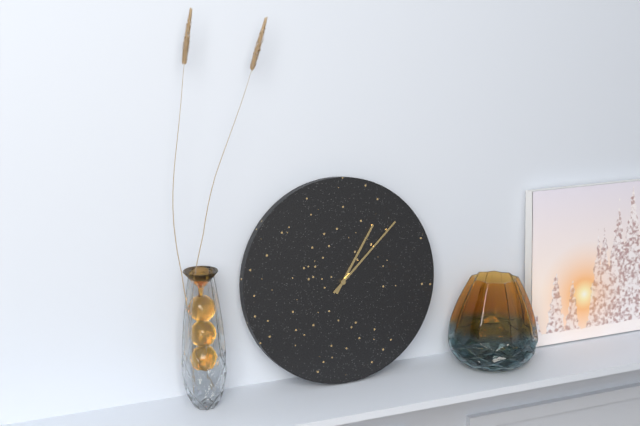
{"hour": 1, "minute": 8}
